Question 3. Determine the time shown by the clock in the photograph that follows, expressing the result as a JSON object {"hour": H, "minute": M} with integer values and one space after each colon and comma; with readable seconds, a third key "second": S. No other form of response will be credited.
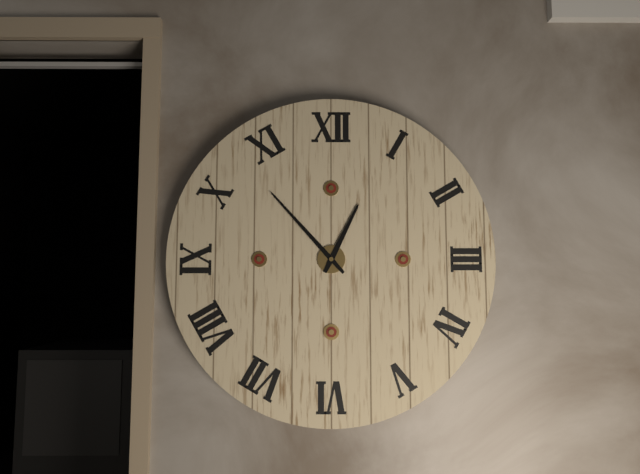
{"hour": 12, "minute": 53}
